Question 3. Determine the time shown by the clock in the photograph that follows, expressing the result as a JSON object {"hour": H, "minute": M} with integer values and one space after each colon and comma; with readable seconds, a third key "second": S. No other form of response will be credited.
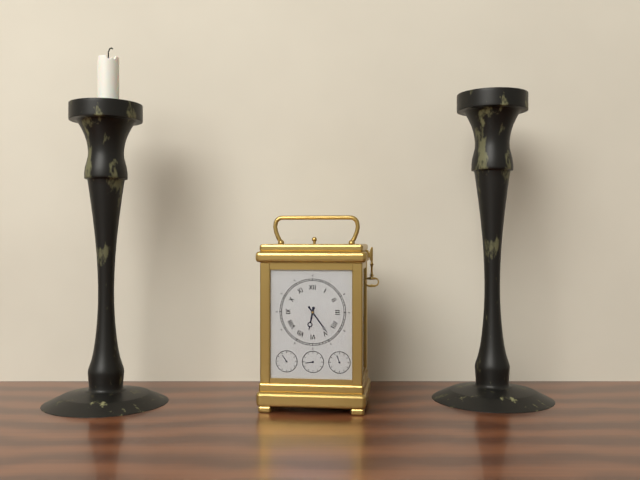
{"hour": 6, "minute": 24}
